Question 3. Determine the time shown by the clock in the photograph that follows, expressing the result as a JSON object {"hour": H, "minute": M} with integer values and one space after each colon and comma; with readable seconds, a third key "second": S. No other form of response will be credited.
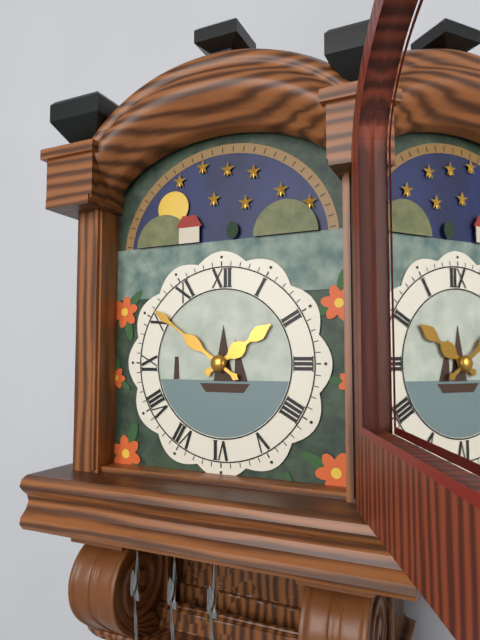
{"hour": 1, "minute": 51}
